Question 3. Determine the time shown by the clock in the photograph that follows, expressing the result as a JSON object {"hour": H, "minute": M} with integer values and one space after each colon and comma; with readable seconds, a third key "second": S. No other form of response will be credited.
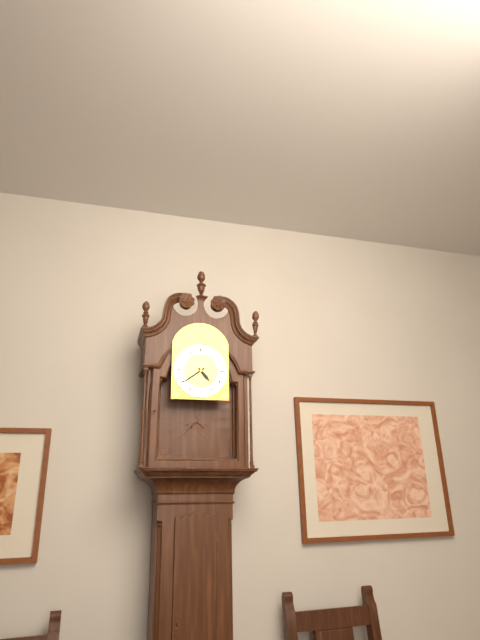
{"hour": 4, "minute": 39}
